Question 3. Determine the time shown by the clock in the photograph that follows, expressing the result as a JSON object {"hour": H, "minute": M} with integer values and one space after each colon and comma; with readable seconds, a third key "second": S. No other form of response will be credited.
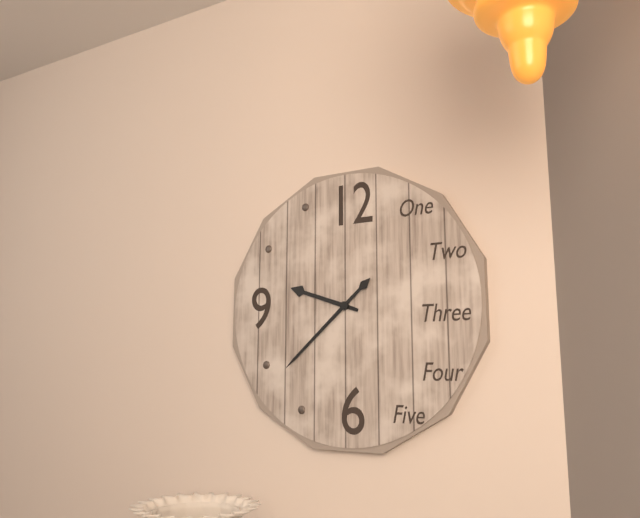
{"hour": 9, "minute": 38}
